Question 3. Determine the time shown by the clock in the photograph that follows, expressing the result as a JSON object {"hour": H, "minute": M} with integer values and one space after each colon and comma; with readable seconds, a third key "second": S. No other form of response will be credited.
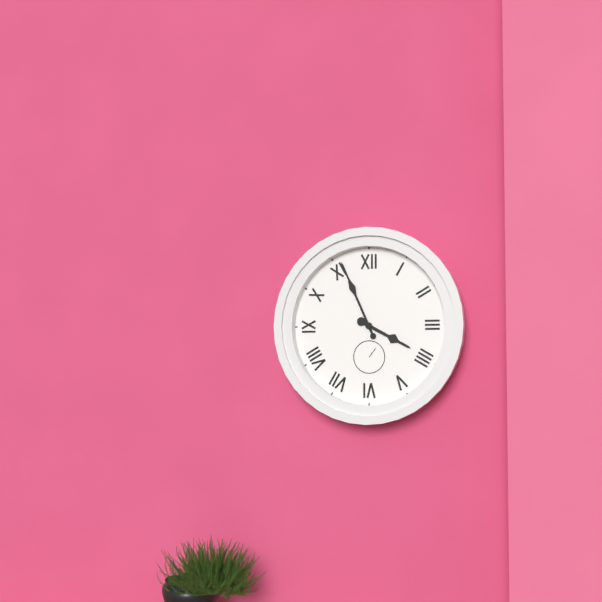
{"hour": 3, "minute": 56}
